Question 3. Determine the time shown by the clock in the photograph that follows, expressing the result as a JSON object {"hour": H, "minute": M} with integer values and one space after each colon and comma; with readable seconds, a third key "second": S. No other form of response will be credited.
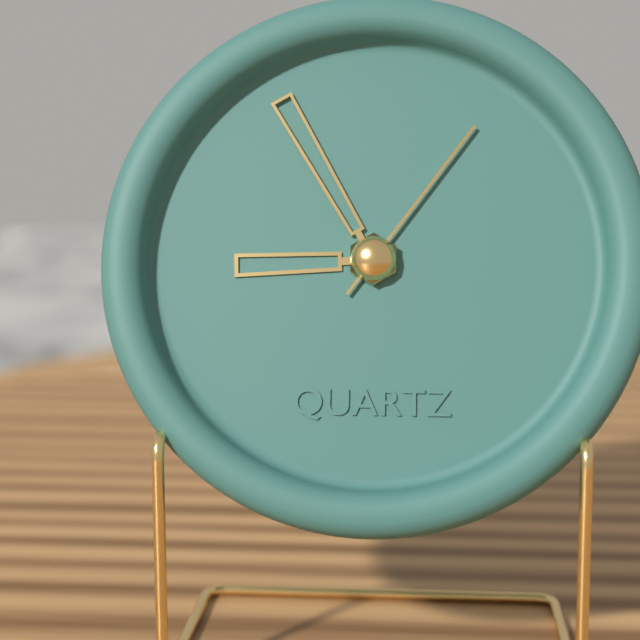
{"hour": 8, "minute": 55, "second": 6}
